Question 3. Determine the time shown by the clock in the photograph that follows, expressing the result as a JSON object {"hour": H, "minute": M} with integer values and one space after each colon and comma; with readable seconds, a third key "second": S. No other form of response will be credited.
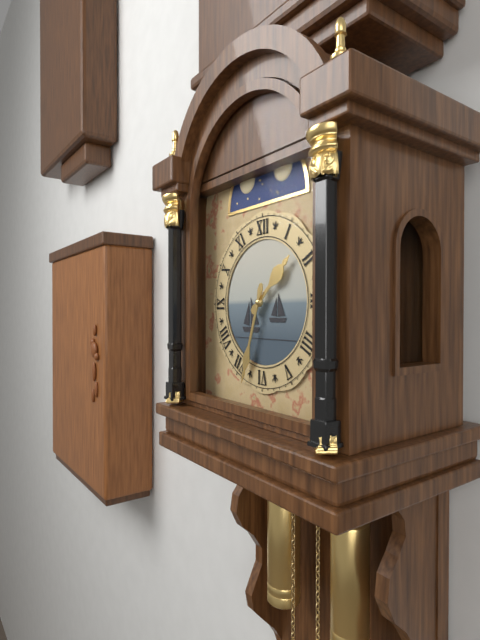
{"hour": 1, "minute": 33}
